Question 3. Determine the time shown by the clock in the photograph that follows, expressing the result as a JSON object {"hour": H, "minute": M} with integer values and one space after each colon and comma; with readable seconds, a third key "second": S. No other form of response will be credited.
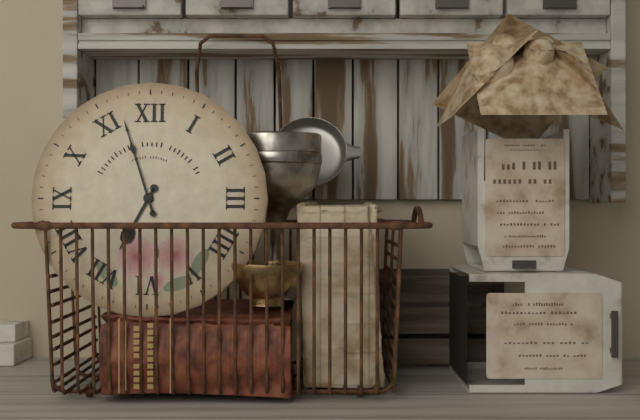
{"hour": 6, "minute": 57}
